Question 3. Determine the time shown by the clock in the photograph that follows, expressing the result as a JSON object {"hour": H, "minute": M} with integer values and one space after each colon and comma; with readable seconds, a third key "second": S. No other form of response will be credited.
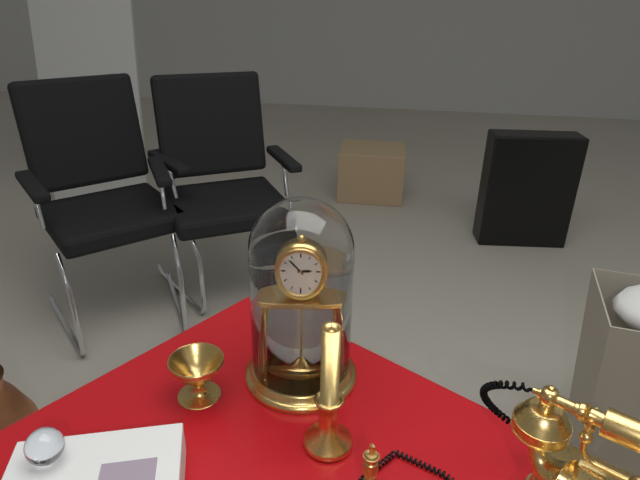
{"hour": 2, "minute": 53}
